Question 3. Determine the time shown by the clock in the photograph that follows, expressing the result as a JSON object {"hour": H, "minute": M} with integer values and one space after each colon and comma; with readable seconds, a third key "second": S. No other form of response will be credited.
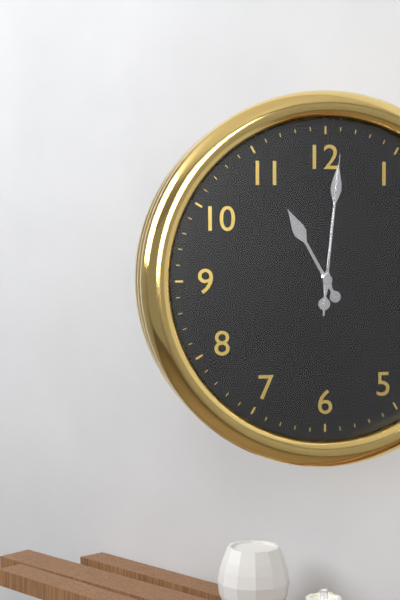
{"hour": 11, "minute": 1, "second": 1}
